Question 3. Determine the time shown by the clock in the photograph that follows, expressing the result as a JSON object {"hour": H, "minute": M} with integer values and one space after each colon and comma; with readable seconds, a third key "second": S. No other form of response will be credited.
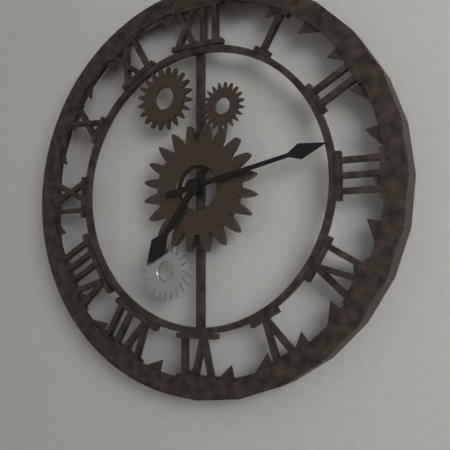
{"hour": 7, "minute": 13}
